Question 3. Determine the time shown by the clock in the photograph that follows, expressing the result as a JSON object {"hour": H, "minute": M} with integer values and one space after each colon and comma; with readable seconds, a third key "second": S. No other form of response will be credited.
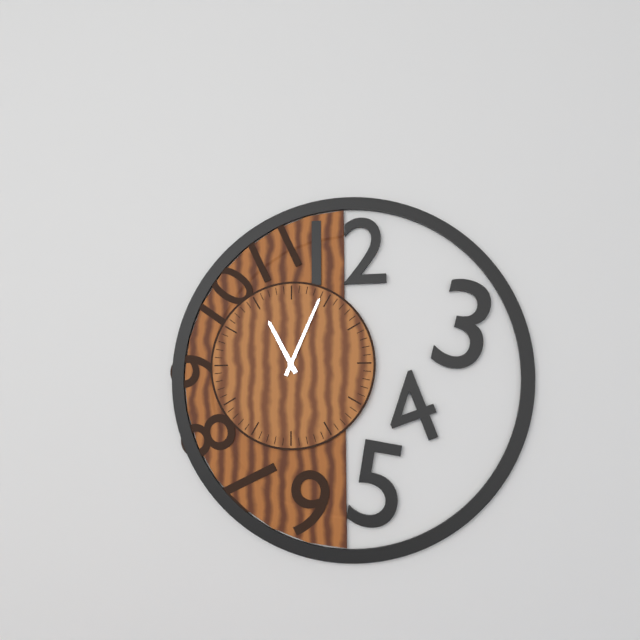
{"hour": 11, "minute": 4}
